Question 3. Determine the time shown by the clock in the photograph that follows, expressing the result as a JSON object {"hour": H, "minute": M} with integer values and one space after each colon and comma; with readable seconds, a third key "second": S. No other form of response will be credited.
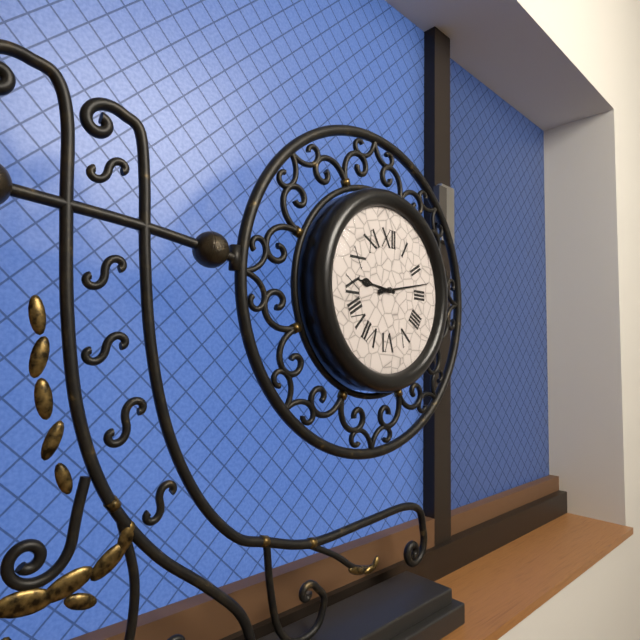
{"hour": 9, "minute": 13}
